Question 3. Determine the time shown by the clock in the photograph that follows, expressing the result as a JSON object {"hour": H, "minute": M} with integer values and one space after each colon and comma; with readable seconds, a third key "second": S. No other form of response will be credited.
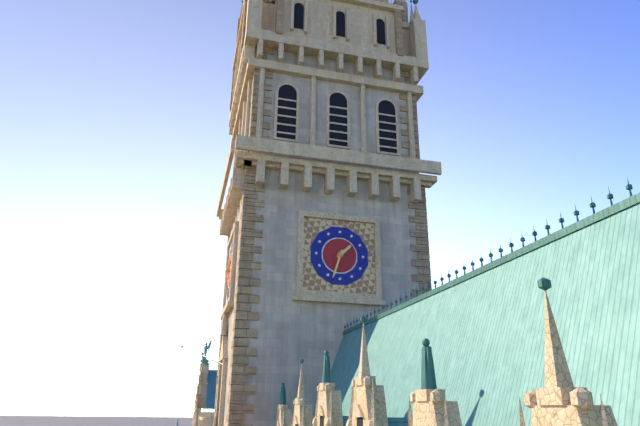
{"hour": 1, "minute": 33}
